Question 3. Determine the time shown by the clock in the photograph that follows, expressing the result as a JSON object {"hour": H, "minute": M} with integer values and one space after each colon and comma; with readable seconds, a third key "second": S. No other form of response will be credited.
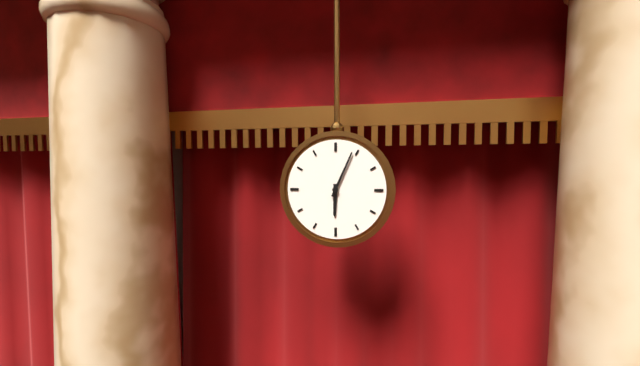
{"hour": 6, "minute": 4}
